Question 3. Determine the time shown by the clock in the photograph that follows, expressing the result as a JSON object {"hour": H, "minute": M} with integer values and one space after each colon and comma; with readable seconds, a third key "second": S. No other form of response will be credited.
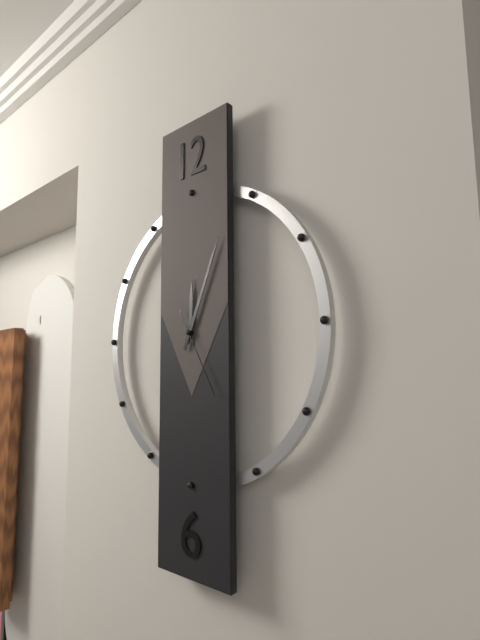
{"hour": 12, "minute": 4, "second": 25}
